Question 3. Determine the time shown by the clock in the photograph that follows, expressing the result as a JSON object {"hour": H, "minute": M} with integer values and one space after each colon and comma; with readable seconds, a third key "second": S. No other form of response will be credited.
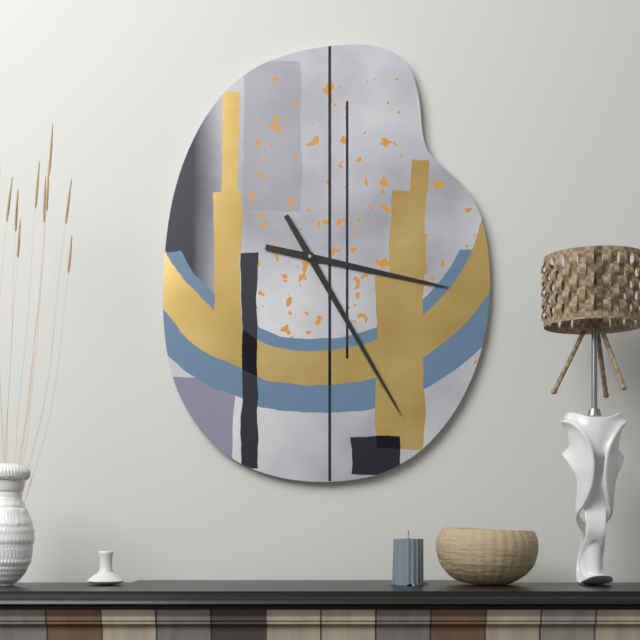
{"hour": 3, "minute": 25}
